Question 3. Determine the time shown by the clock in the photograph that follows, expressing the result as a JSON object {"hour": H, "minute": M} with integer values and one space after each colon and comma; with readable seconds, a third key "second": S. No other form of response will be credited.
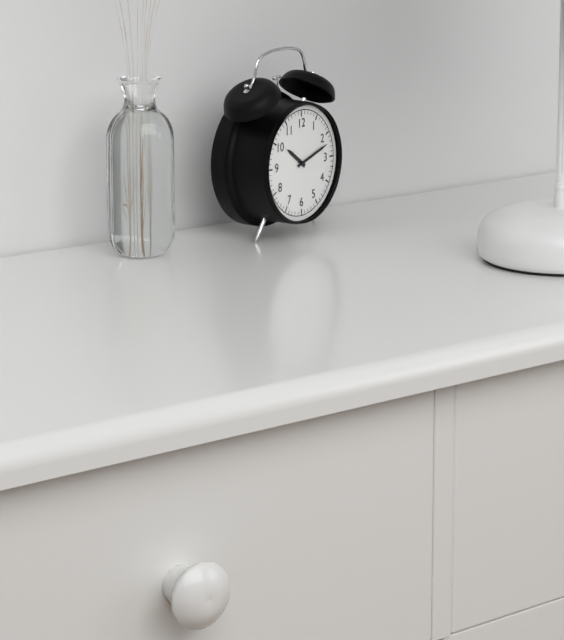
{"hour": 10, "minute": 12}
